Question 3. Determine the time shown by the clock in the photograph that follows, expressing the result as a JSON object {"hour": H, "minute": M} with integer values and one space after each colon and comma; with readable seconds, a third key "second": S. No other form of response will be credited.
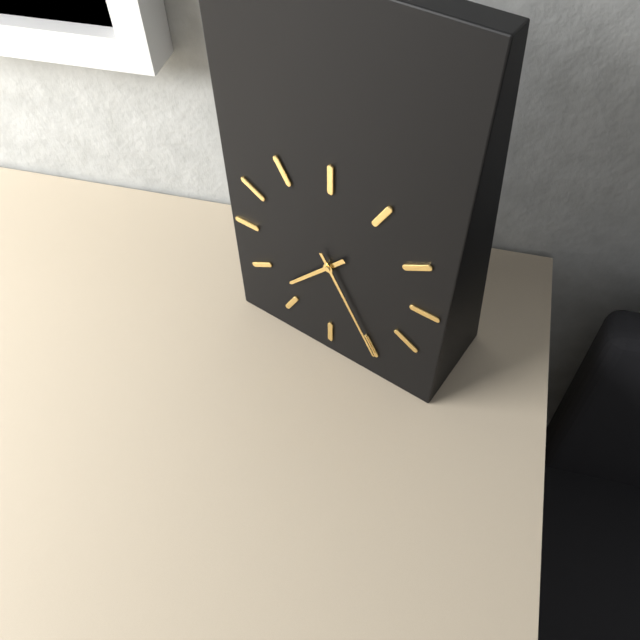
{"hour": 7, "minute": 25}
